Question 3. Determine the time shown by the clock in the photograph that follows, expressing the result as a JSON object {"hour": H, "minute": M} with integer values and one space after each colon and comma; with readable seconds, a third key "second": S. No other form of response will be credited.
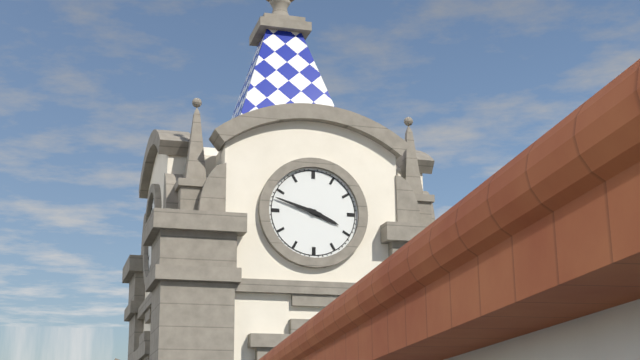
{"hour": 3, "minute": 48}
